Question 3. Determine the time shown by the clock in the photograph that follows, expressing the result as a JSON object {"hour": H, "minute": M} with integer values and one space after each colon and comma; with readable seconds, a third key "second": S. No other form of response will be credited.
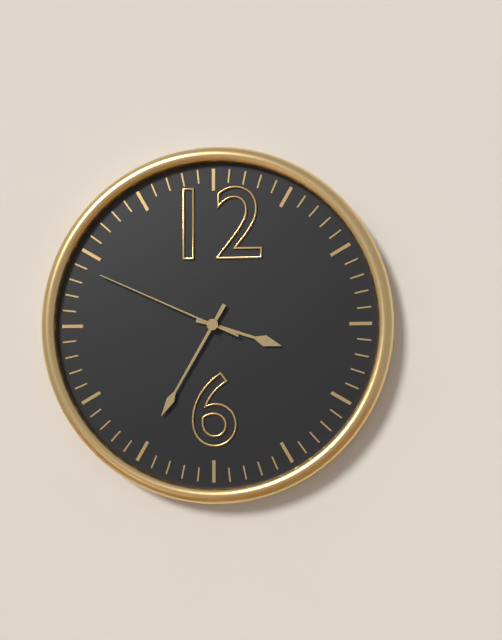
{"hour": 3, "minute": 35, "second": 49}
